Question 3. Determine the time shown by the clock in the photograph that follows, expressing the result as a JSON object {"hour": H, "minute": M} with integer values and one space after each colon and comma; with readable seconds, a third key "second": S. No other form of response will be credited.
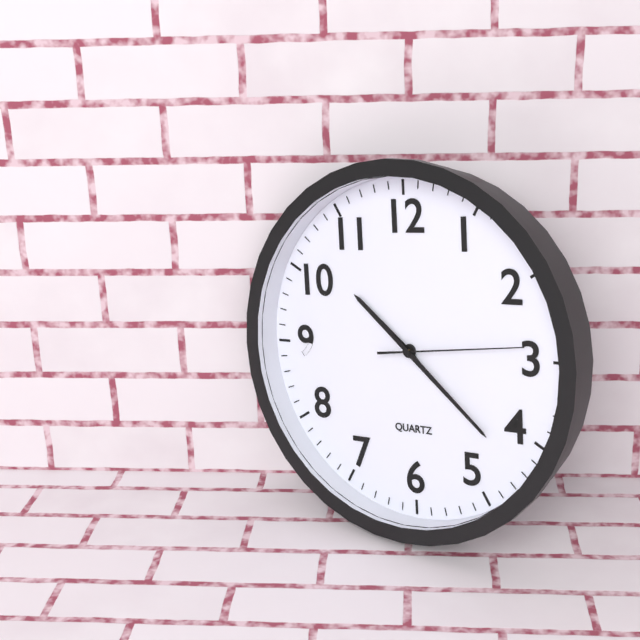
{"hour": 10, "minute": 22, "second": 14}
